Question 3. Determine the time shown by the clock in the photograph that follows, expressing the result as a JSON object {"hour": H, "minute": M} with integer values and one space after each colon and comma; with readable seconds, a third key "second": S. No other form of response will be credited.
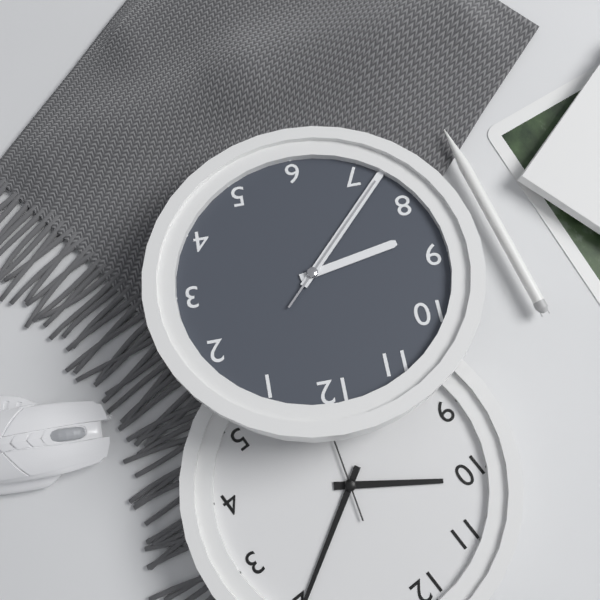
{"hour": 8, "minute": 37, "second": 37}
